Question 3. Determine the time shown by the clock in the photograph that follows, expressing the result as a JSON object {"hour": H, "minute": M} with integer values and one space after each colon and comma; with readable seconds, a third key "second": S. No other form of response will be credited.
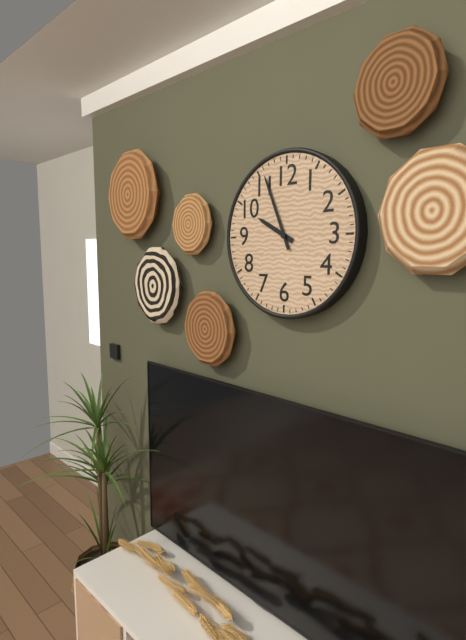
{"hour": 9, "minute": 56}
